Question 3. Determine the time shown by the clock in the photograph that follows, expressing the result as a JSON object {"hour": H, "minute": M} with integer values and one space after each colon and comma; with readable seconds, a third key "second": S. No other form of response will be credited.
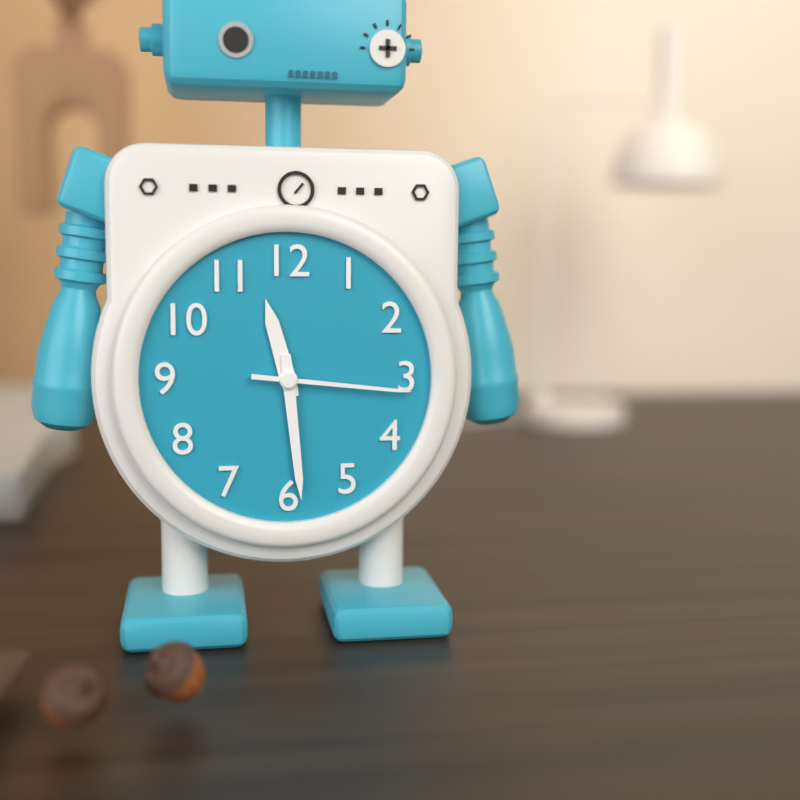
{"hour": 11, "minute": 29, "second": 16}
